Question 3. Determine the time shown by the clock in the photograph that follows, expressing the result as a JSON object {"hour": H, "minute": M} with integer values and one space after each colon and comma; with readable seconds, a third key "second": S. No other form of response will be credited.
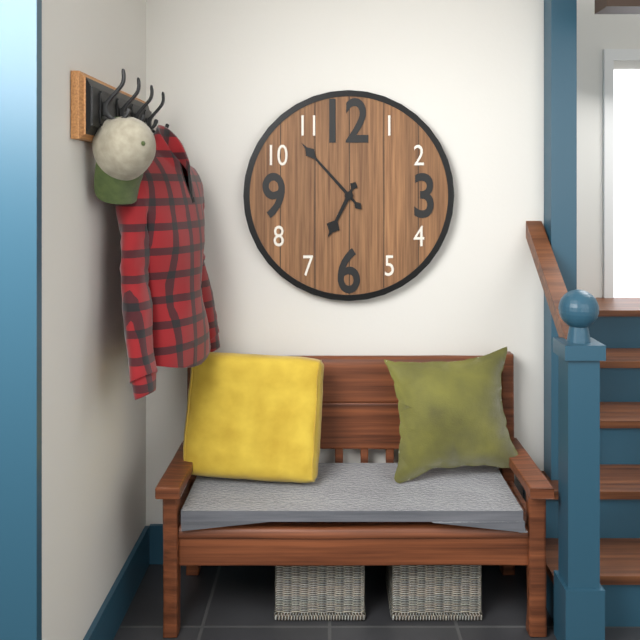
{"hour": 6, "minute": 53}
